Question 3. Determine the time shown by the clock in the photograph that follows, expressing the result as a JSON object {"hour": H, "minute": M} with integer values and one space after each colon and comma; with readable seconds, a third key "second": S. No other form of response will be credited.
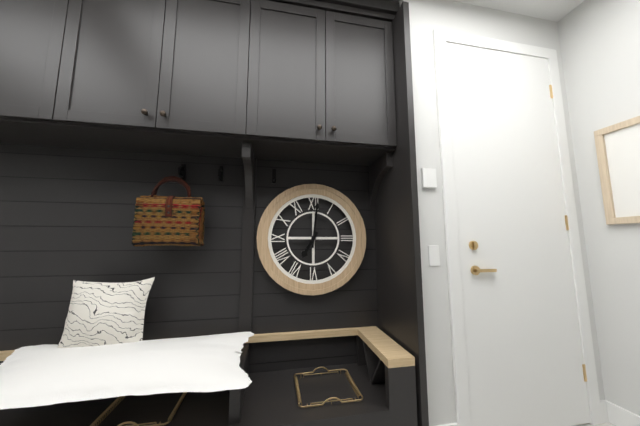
{"hour": 7, "minute": 1}
